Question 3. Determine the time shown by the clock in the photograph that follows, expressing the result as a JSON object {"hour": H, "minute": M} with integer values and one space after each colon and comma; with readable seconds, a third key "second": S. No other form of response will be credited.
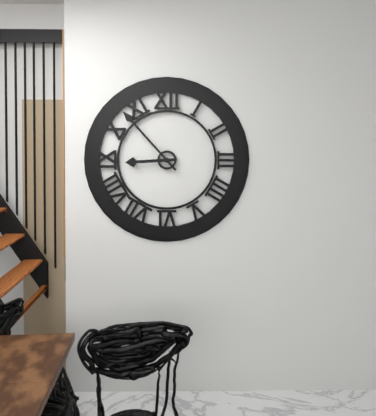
{"hour": 8, "minute": 53}
